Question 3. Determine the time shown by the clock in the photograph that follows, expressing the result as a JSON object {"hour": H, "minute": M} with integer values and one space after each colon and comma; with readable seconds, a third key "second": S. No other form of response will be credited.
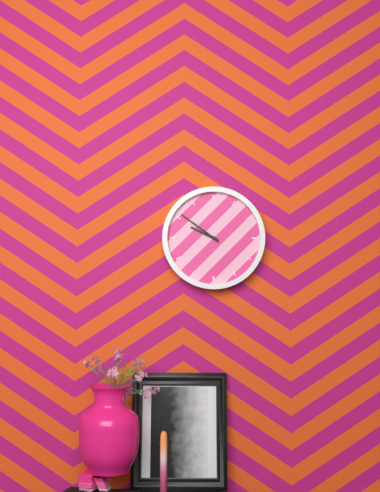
{"hour": 9, "minute": 51}
